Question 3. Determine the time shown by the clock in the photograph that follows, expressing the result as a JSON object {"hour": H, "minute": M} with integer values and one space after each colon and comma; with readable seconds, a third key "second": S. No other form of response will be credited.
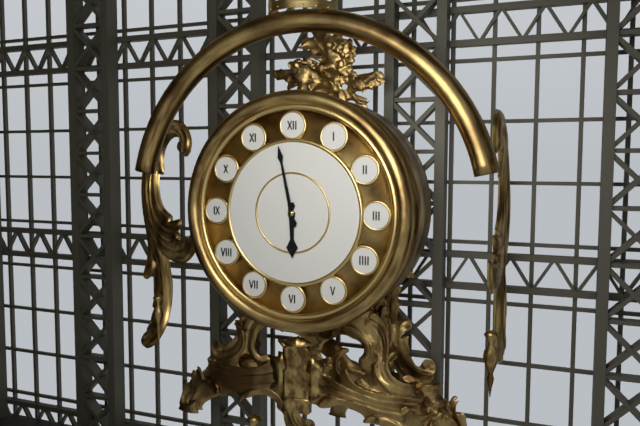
{"hour": 5, "minute": 58}
